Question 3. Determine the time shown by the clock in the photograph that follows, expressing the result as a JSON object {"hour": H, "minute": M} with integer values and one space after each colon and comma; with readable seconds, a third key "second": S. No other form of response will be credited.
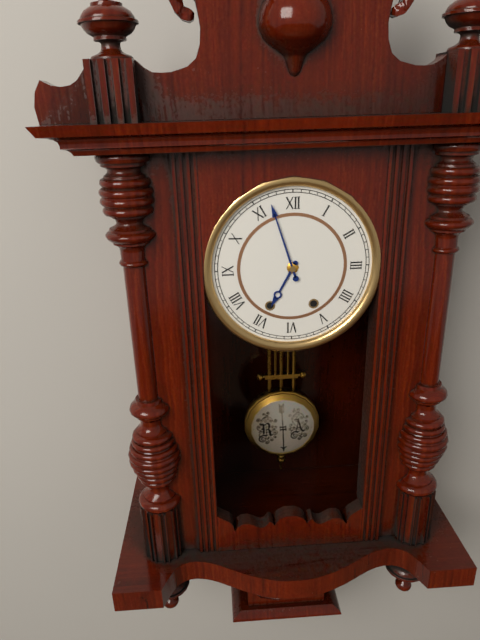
{"hour": 6, "minute": 57}
